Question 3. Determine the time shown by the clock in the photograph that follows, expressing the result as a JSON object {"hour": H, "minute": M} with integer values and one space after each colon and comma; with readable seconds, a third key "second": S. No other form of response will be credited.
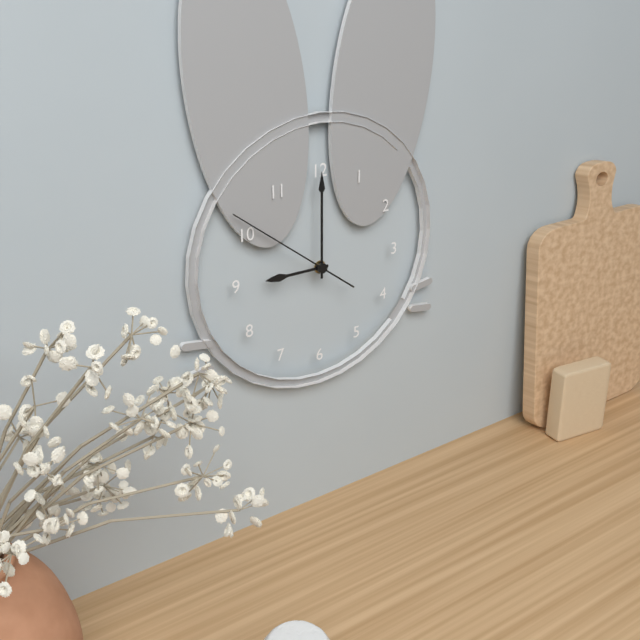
{"hour": 9, "minute": 0, "second": 51}
